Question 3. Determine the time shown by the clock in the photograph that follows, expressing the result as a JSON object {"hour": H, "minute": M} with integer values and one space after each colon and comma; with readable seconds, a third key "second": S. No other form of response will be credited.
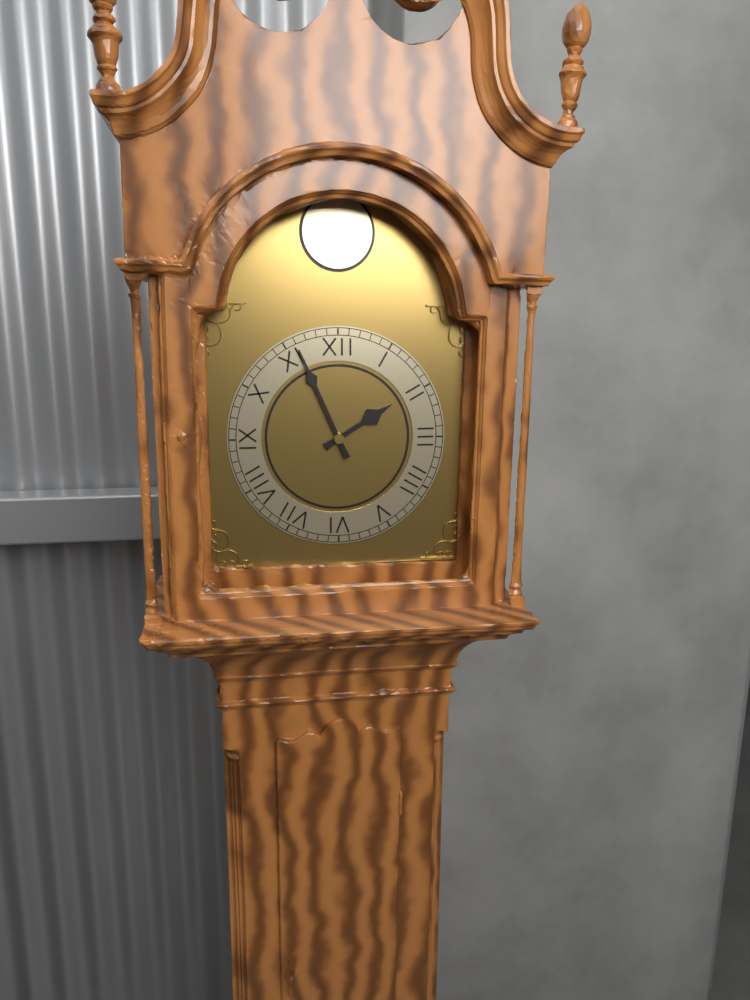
{"hour": 1, "minute": 56}
